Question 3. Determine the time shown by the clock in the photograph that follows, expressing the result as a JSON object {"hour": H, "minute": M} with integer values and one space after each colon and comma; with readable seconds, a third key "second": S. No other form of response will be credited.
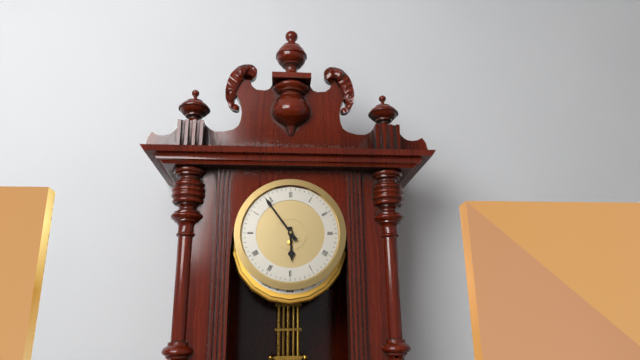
{"hour": 5, "minute": 54}
